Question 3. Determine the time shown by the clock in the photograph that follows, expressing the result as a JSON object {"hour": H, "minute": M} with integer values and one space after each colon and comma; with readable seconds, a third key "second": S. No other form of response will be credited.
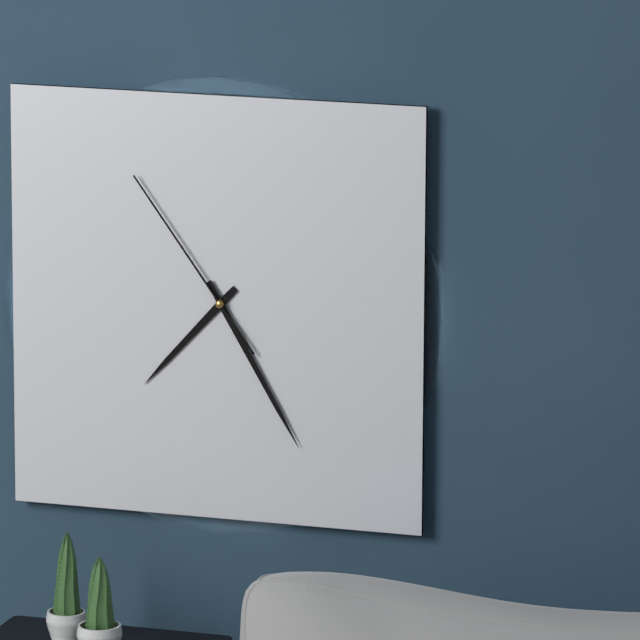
{"hour": 7, "minute": 25, "second": 54}
